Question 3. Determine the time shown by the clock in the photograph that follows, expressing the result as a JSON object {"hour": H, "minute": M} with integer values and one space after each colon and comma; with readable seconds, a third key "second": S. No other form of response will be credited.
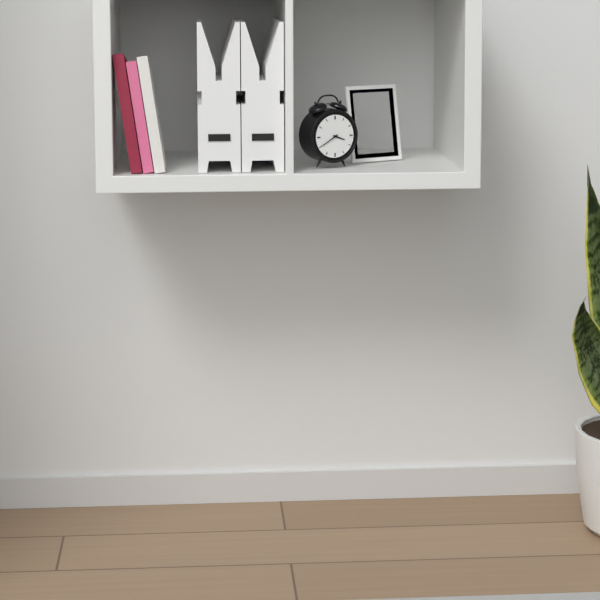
{"hour": 3, "minute": 40}
